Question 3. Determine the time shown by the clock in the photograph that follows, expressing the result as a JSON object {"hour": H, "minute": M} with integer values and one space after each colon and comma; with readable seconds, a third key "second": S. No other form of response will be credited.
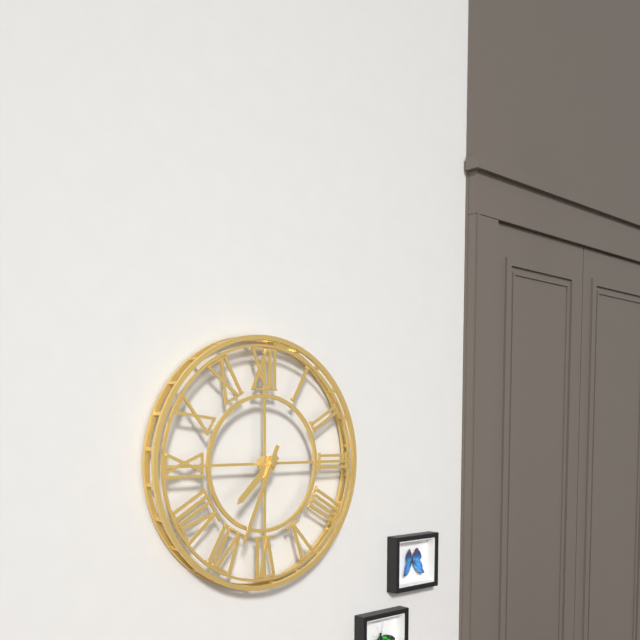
{"hour": 7, "minute": 34}
